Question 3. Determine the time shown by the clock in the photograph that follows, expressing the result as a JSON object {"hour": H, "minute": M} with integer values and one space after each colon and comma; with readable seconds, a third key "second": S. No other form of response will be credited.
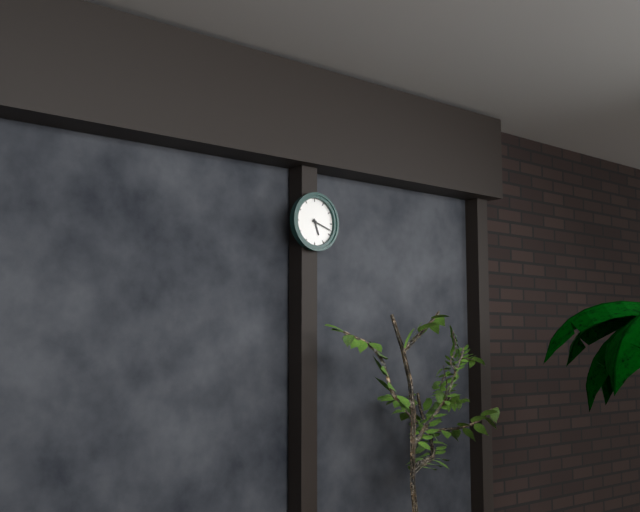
{"hour": 5, "minute": 18}
